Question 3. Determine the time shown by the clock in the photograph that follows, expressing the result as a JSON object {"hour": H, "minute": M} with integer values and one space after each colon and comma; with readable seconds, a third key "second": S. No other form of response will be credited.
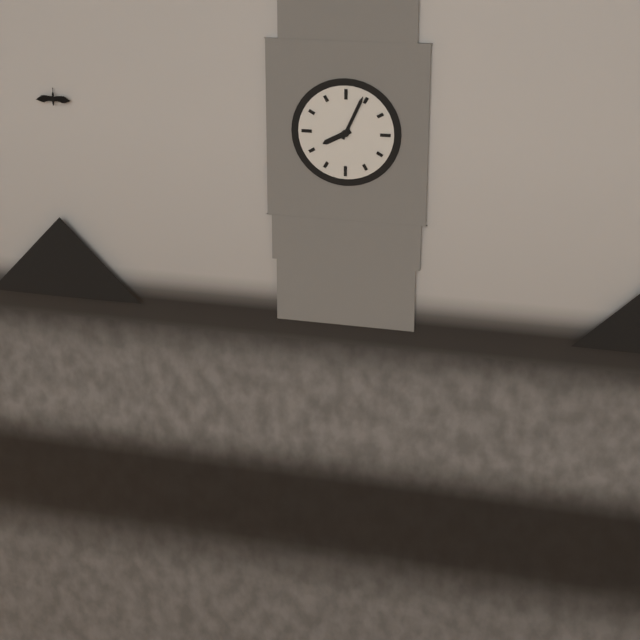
{"hour": 8, "minute": 4}
